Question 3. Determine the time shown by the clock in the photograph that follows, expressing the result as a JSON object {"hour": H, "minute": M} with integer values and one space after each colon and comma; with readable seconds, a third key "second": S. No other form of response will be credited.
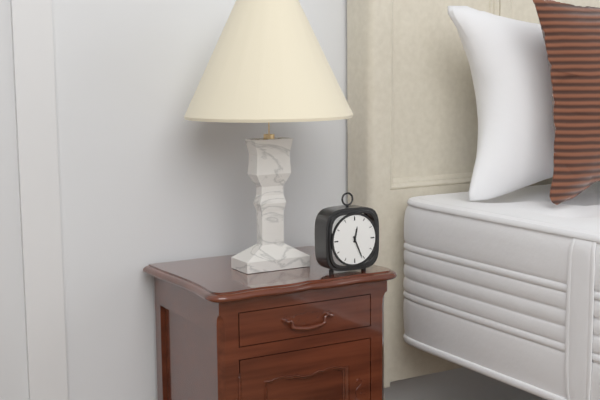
{"hour": 12, "minute": 26}
